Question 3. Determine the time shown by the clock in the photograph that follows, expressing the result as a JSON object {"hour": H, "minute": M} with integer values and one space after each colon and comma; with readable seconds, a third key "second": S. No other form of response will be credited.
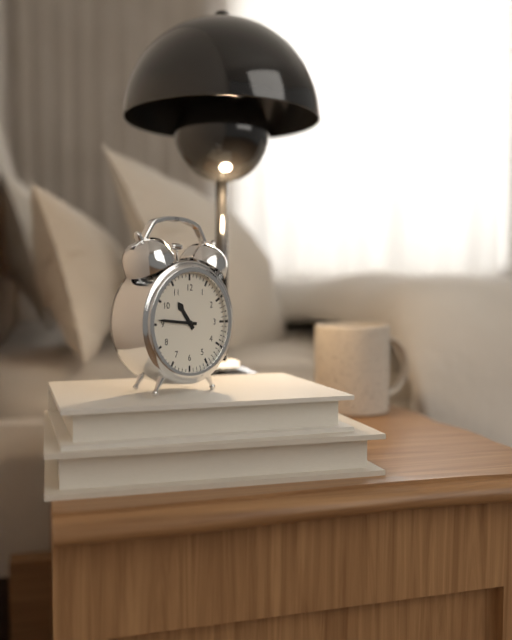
{"hour": 10, "minute": 46}
